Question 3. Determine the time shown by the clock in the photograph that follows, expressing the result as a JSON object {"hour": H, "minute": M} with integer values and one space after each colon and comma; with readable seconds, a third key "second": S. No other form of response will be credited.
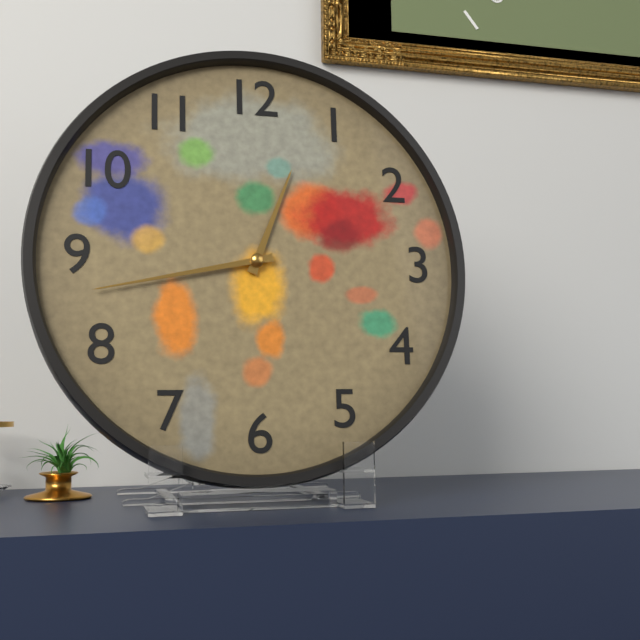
{"hour": 12, "minute": 43}
